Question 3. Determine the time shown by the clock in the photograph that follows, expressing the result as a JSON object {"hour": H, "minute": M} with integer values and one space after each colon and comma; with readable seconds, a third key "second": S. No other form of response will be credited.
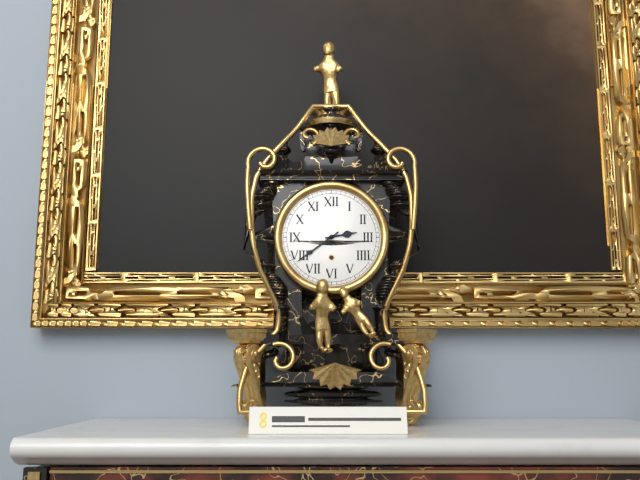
{"hour": 2, "minute": 39}
